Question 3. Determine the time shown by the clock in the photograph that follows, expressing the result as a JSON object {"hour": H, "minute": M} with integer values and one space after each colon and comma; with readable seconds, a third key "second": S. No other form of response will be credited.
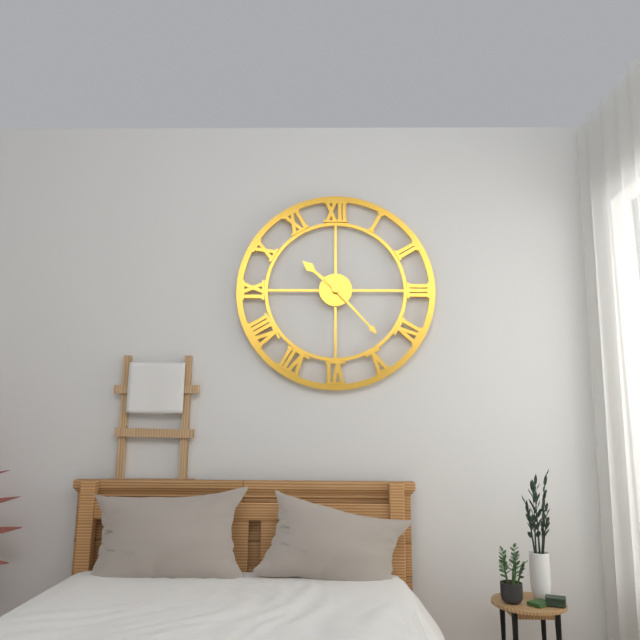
{"hour": 10, "minute": 23}
